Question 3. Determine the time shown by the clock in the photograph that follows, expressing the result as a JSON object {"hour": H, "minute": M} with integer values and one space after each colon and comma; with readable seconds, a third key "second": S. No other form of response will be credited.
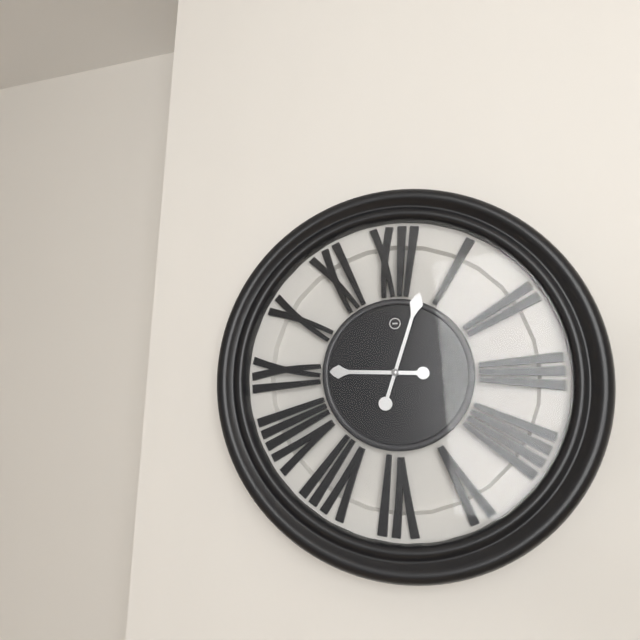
{"hour": 9, "minute": 3}
